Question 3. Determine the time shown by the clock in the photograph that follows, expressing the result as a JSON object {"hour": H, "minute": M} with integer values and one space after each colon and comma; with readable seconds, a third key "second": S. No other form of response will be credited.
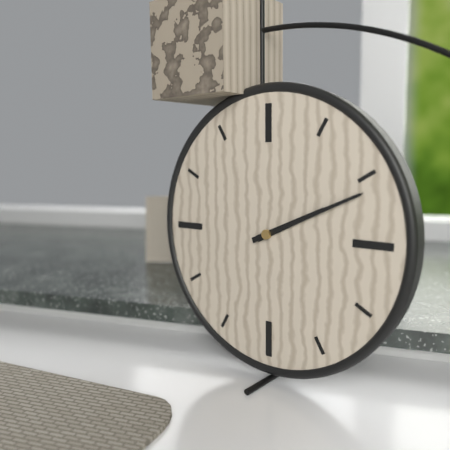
{"hour": 2, "minute": 11}
